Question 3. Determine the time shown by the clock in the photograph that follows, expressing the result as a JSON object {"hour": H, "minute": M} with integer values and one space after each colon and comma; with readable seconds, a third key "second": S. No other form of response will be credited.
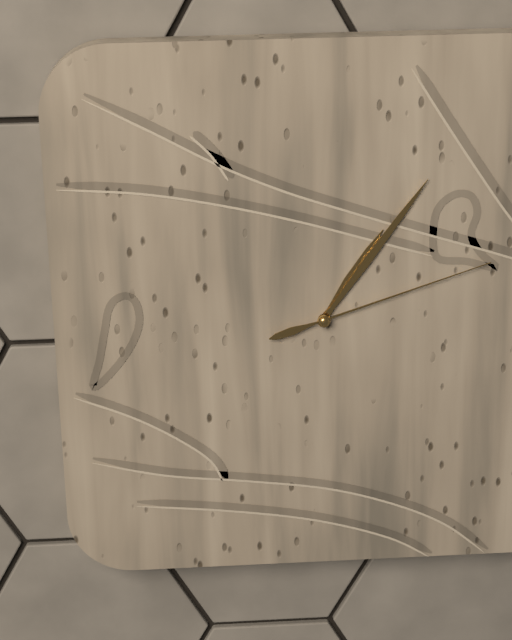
{"hour": 1, "minute": 6, "second": 12}
